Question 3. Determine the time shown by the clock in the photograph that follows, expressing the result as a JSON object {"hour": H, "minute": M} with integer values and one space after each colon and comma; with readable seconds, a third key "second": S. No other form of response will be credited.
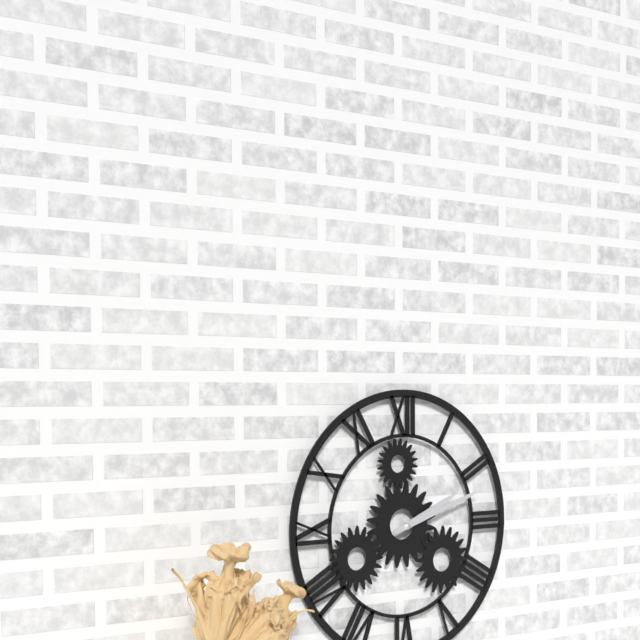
{"hour": 2, "minute": 12}
